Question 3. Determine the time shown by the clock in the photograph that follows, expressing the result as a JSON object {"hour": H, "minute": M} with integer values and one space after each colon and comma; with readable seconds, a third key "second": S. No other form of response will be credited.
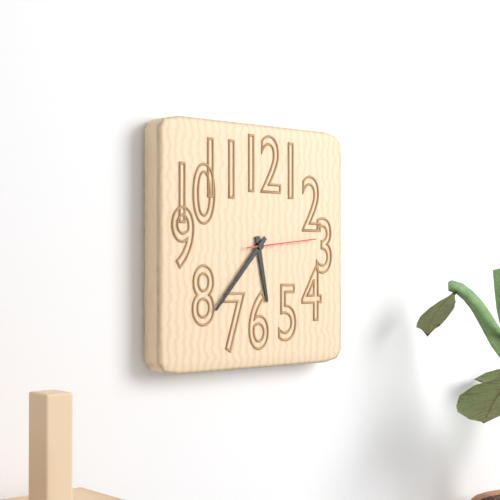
{"hour": 5, "minute": 37, "second": 14}
